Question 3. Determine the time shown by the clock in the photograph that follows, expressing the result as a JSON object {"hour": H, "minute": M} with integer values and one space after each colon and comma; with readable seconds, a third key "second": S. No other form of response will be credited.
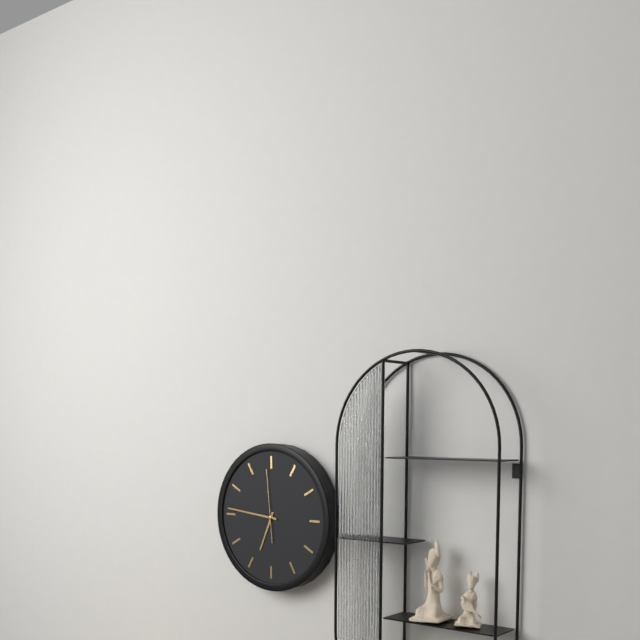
{"hour": 6, "minute": 46, "second": 59}
